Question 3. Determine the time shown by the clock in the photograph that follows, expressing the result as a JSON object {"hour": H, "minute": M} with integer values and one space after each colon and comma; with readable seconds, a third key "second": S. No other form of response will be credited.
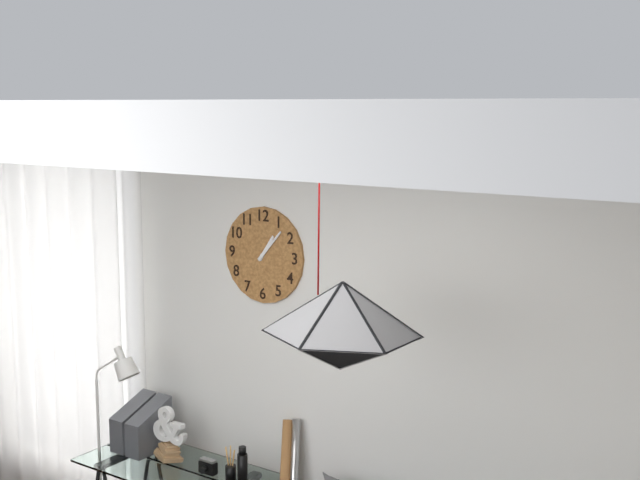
{"hour": 1, "minute": 7}
